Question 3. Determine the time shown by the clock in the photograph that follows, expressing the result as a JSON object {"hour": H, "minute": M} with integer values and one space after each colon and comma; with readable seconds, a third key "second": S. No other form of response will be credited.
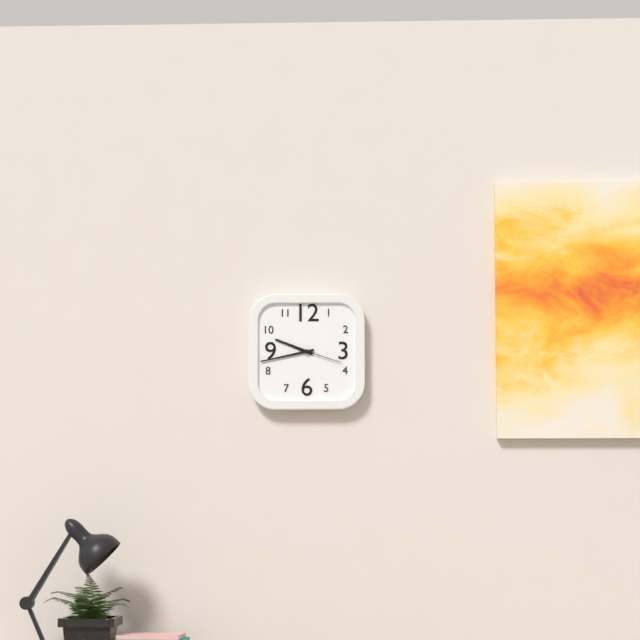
{"hour": 9, "minute": 43}
